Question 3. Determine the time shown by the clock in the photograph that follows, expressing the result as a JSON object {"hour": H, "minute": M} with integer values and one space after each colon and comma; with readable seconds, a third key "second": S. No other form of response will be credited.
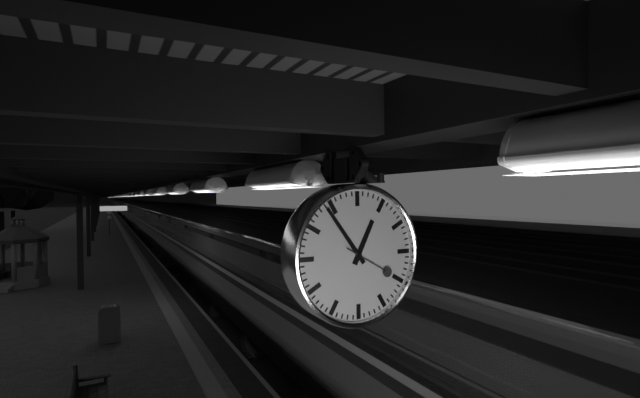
{"hour": 12, "minute": 54}
